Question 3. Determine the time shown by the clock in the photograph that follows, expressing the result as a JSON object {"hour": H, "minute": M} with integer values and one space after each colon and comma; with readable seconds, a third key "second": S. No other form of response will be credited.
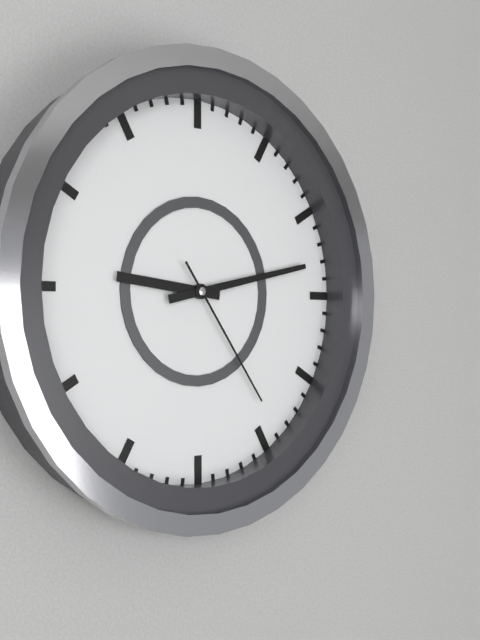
{"hour": 9, "minute": 13, "second": 24}
